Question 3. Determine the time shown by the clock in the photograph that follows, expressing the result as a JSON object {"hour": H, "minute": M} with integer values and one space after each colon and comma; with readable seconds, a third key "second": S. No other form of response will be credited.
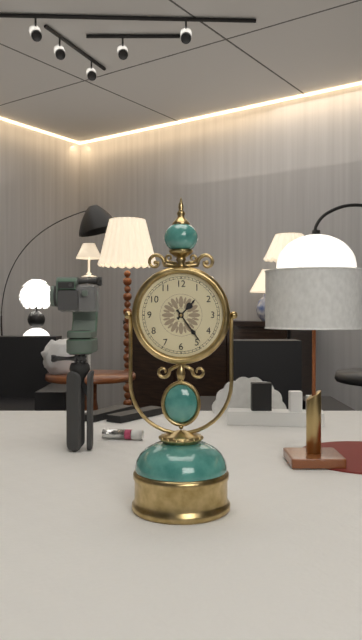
{"hour": 1, "minute": 24}
